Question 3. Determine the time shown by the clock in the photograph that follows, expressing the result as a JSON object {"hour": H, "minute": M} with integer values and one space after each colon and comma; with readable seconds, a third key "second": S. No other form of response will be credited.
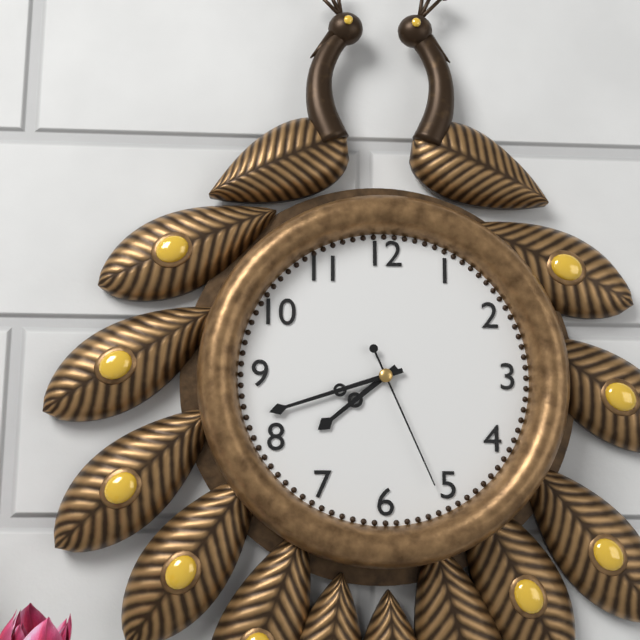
{"hour": 7, "minute": 42, "second": 26}
